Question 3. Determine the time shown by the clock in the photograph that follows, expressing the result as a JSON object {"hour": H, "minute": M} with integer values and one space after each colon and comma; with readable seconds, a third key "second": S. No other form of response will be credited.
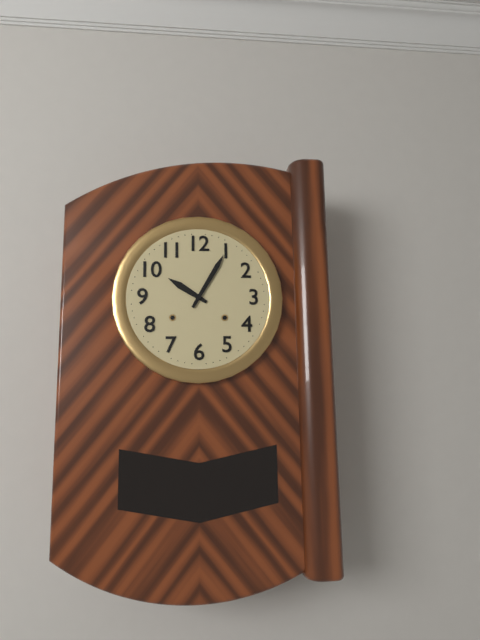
{"hour": 10, "minute": 5}
